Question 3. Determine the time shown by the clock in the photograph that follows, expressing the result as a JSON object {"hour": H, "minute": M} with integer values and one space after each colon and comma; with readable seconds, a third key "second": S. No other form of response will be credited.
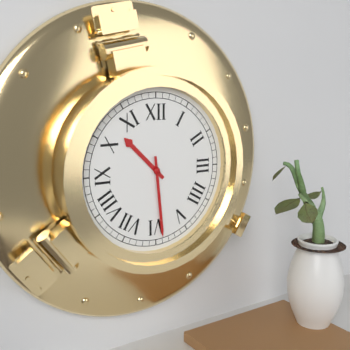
{"hour": 10, "minute": 29}
